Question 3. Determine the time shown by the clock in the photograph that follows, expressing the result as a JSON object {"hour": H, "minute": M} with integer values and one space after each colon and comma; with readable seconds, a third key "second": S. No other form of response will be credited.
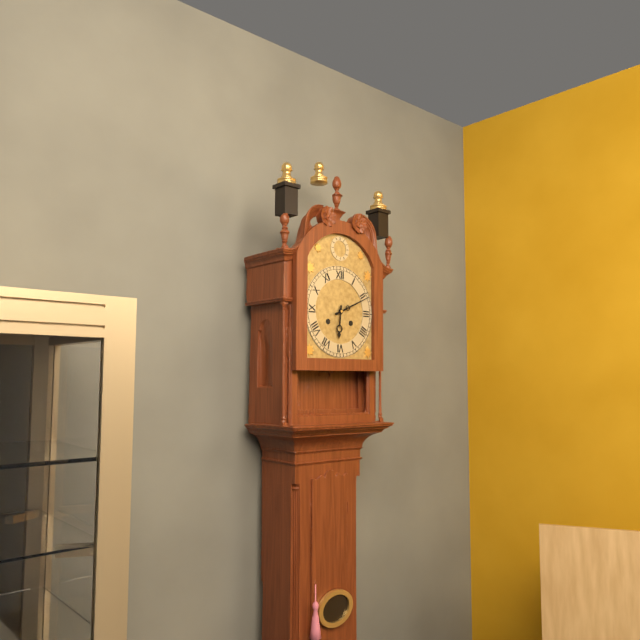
{"hour": 6, "minute": 11}
